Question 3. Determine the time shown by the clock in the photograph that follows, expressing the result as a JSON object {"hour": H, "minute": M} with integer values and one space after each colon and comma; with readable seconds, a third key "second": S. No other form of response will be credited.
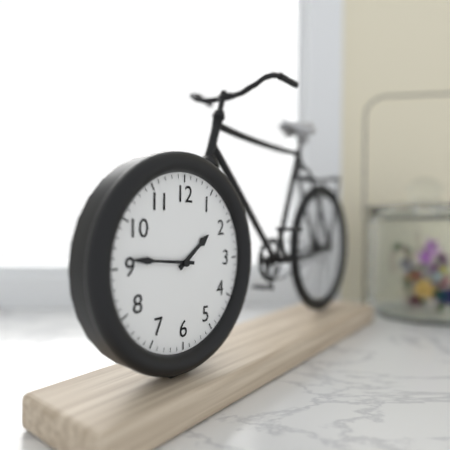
{"hour": 1, "minute": 46}
